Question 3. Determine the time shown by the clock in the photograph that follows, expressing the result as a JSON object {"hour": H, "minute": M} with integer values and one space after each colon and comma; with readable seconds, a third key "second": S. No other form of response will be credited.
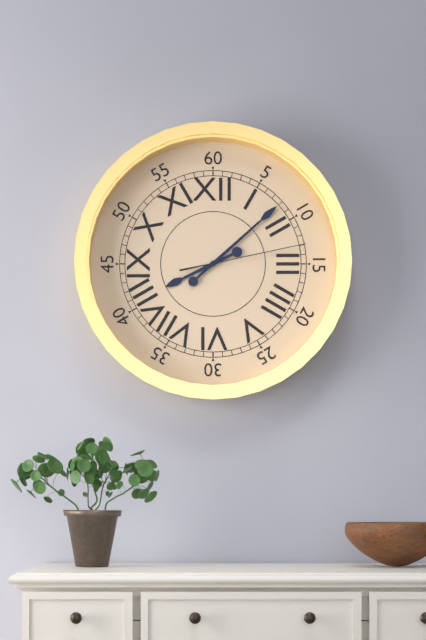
{"hour": 8, "minute": 8, "second": 13}
